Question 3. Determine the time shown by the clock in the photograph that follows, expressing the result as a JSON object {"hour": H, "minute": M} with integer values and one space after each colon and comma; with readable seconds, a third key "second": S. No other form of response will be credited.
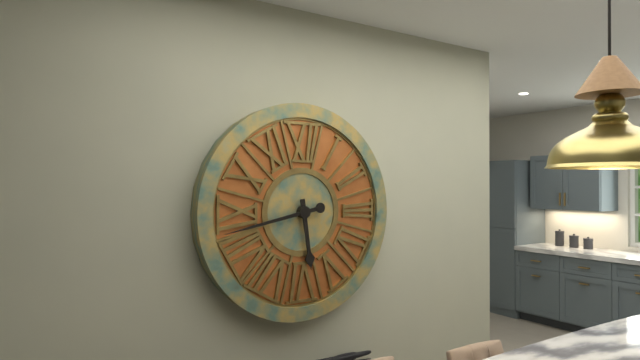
{"hour": 5, "minute": 43}
